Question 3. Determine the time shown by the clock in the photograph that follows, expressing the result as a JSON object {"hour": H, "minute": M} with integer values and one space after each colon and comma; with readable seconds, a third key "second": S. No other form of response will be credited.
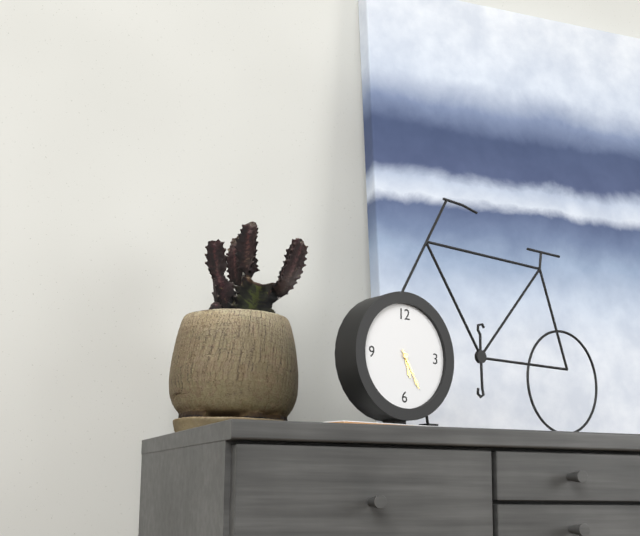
{"hour": 5, "minute": 25}
